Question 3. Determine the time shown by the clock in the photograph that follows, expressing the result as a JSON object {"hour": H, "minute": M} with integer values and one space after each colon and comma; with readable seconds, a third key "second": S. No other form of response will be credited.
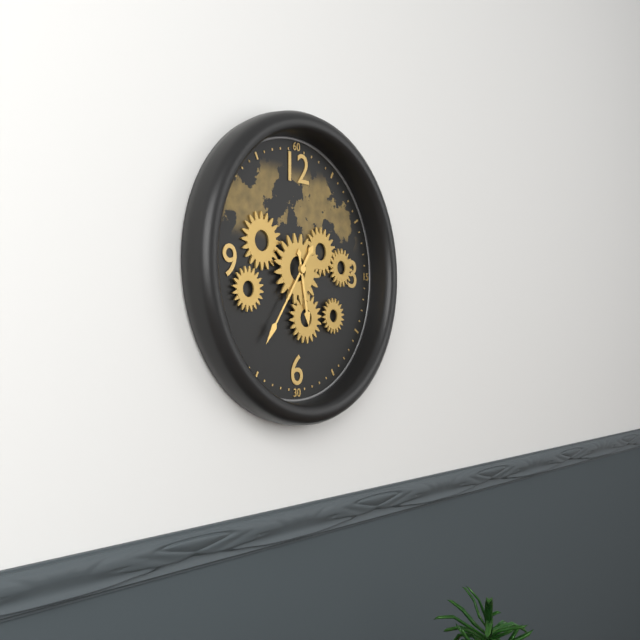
{"hour": 5, "minute": 36}
